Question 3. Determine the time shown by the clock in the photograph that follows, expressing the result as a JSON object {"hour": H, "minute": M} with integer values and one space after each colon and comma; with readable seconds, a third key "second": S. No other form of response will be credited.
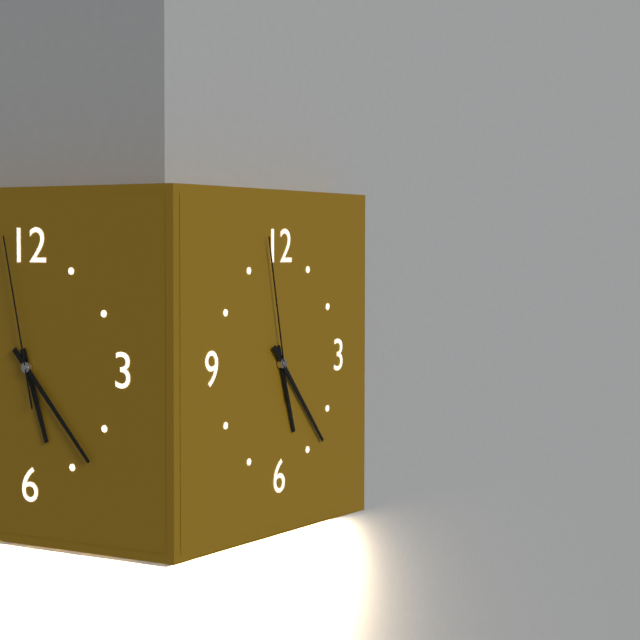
{"hour": 5, "minute": 23, "second": 58}
